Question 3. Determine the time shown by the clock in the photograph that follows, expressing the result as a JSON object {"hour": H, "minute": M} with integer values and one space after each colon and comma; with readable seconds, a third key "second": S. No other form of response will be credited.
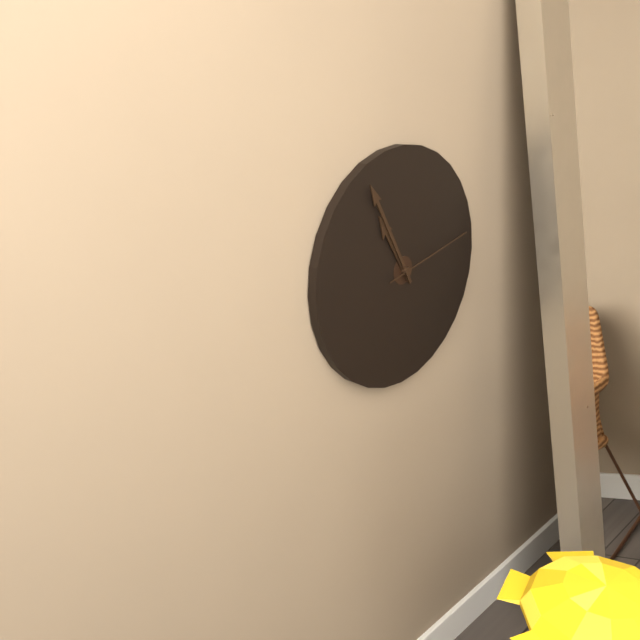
{"hour": 10, "minute": 55, "second": 13}
